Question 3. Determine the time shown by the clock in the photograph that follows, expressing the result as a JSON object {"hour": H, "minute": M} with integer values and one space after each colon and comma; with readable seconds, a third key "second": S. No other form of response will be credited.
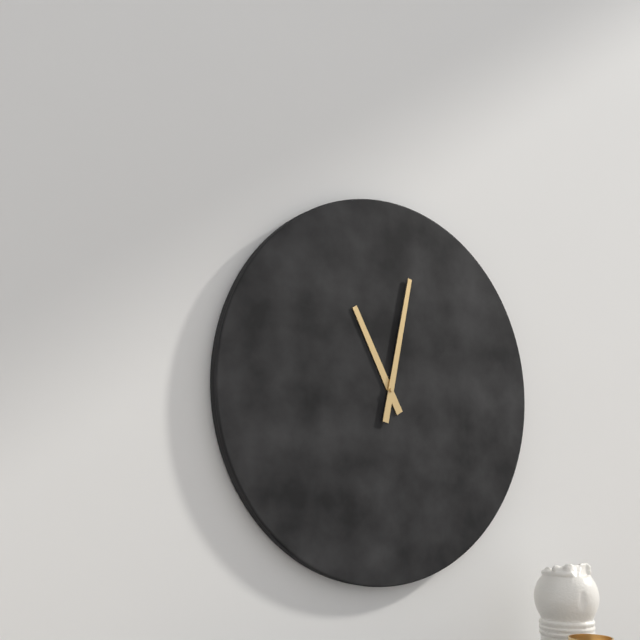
{"hour": 11, "minute": 2}
